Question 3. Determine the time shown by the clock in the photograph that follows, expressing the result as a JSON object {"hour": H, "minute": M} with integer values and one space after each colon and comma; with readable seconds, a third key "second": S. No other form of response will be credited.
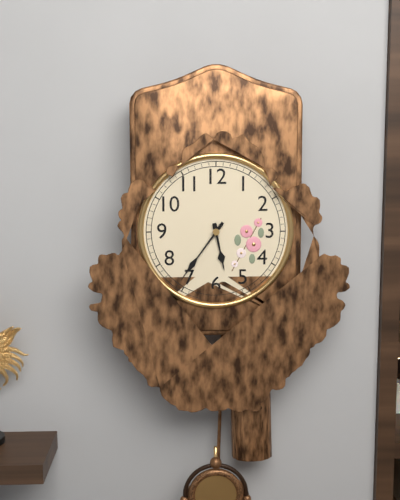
{"hour": 5, "minute": 36}
